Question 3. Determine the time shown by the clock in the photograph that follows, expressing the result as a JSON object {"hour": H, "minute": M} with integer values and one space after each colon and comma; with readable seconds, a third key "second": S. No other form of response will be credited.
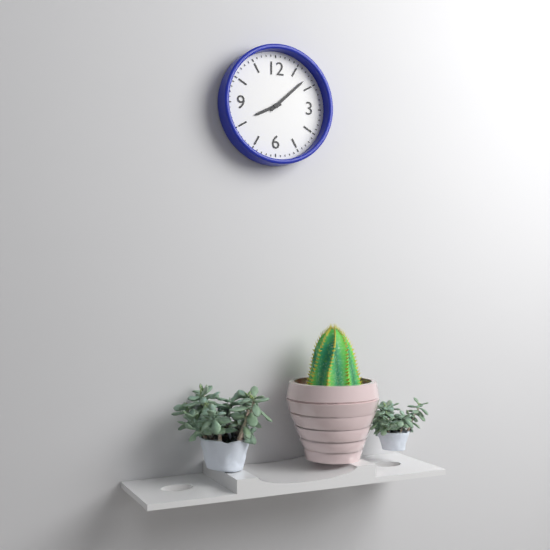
{"hour": 8, "minute": 8}
